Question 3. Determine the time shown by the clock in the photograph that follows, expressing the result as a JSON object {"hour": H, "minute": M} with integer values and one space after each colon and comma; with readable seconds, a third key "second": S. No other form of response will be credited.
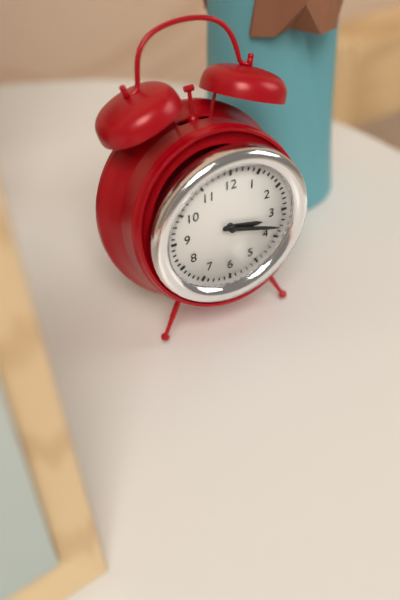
{"hour": 3, "minute": 18}
